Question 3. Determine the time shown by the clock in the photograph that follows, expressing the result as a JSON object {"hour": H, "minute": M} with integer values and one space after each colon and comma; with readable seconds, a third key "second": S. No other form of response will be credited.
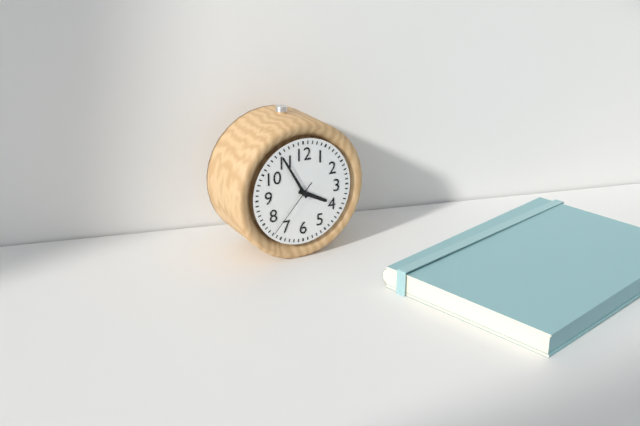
{"hour": 3, "minute": 55, "second": 37}
